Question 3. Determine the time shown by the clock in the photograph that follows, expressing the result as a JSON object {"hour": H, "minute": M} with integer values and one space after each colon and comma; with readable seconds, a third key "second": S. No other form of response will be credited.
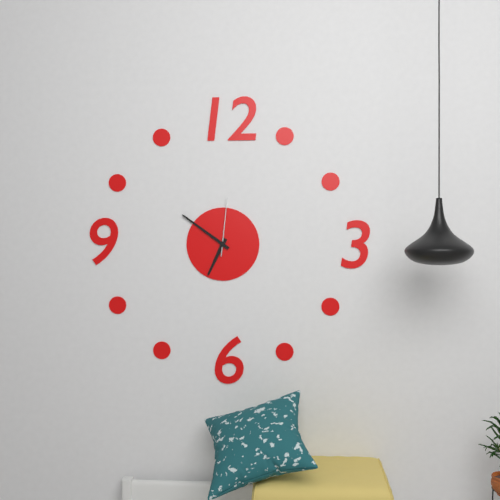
{"hour": 6, "minute": 51, "second": 1}
